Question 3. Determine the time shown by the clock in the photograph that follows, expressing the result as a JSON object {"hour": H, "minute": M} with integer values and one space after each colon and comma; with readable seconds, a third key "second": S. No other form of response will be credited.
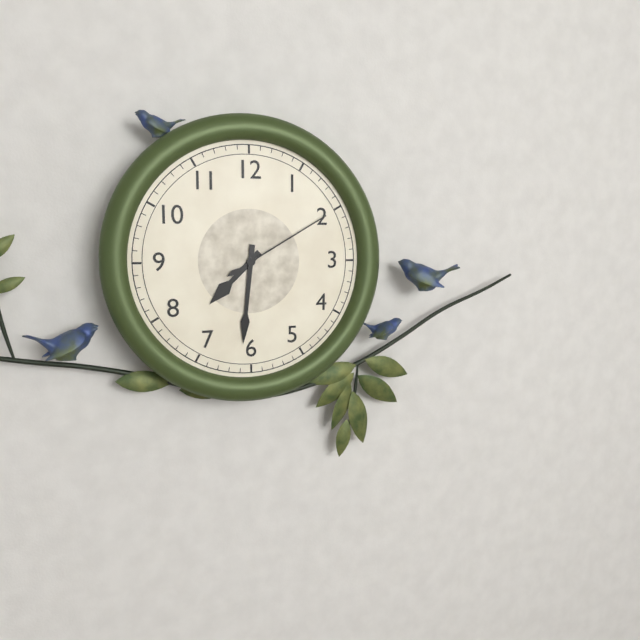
{"hour": 7, "minute": 31, "second": 10}
